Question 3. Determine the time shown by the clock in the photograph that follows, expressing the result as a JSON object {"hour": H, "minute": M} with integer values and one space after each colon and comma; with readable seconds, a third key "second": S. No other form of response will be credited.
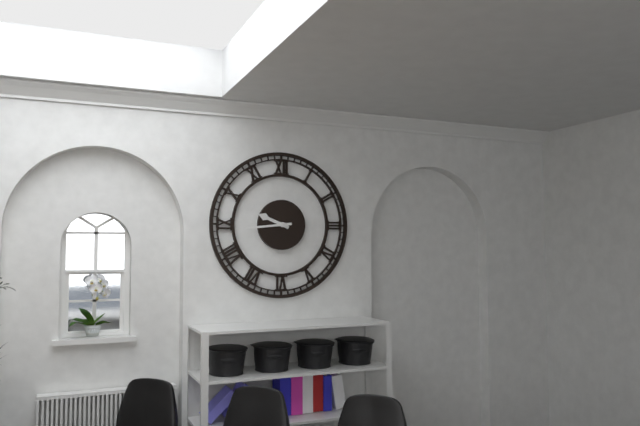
{"hour": 9, "minute": 44}
